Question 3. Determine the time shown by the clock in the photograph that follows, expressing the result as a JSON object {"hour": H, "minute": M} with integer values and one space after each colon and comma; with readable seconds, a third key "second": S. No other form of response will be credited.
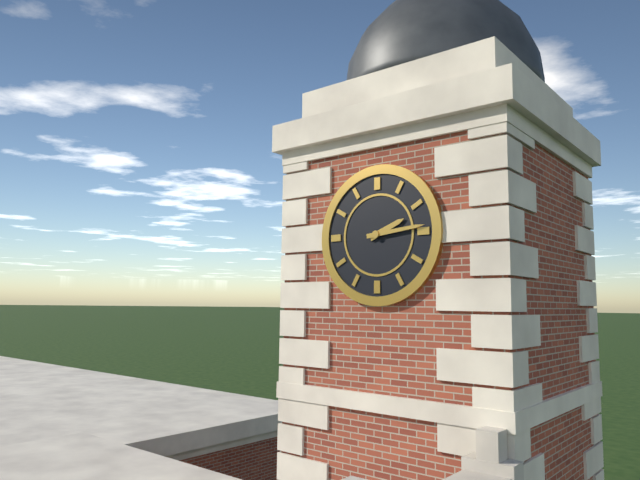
{"hour": 2, "minute": 14}
